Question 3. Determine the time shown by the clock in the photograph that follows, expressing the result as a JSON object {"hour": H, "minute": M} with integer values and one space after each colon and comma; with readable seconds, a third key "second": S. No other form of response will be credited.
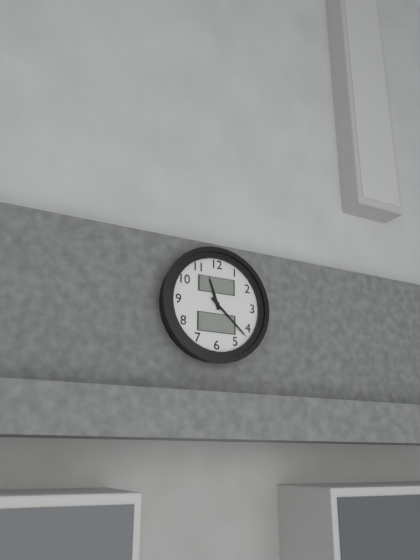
{"hour": 11, "minute": 22}
